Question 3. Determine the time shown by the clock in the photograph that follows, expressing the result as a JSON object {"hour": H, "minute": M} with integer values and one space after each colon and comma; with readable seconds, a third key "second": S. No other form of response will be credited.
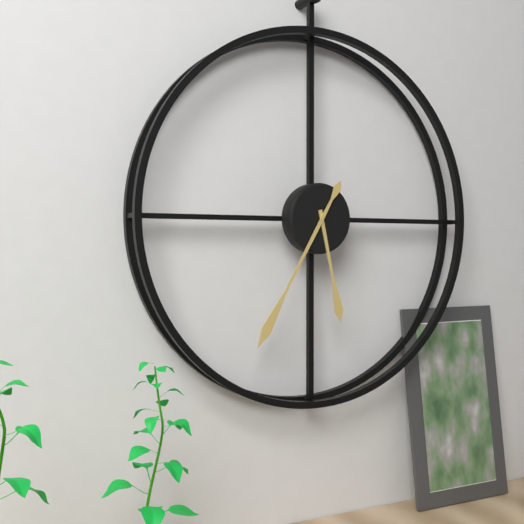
{"hour": 5, "minute": 35}
